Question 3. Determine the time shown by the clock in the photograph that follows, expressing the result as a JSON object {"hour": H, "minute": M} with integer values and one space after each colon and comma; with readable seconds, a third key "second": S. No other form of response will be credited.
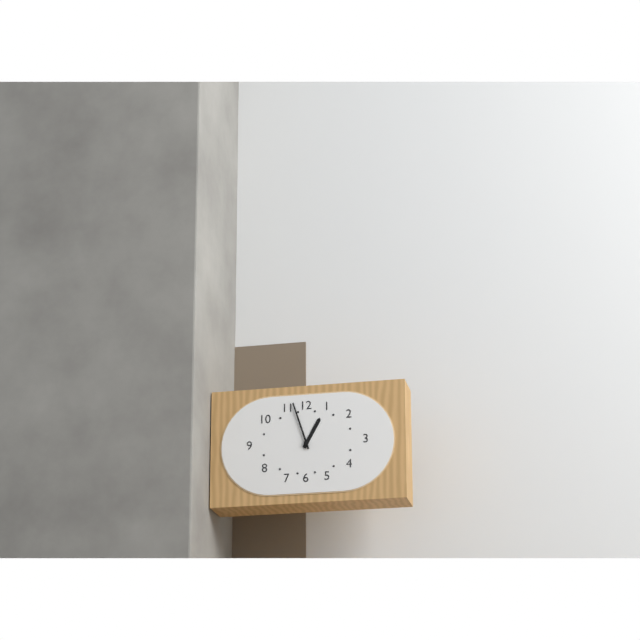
{"hour": 12, "minute": 57}
